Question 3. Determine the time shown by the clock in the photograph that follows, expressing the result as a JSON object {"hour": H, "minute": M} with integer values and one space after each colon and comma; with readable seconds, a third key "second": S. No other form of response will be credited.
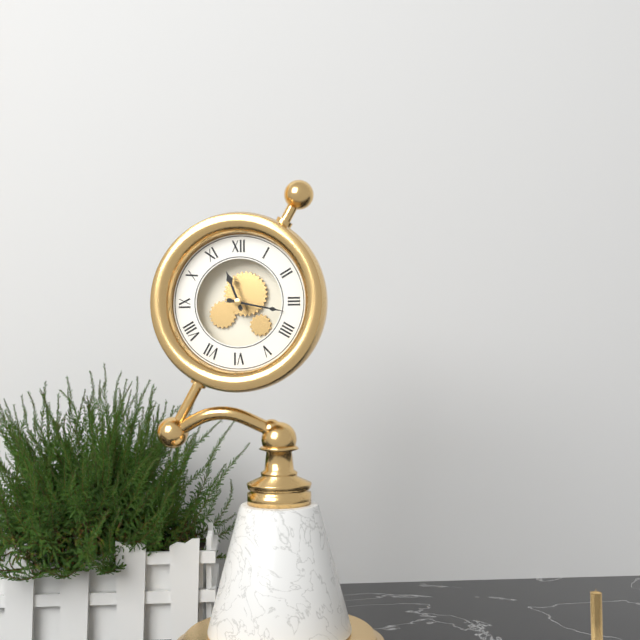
{"hour": 11, "minute": 17}
